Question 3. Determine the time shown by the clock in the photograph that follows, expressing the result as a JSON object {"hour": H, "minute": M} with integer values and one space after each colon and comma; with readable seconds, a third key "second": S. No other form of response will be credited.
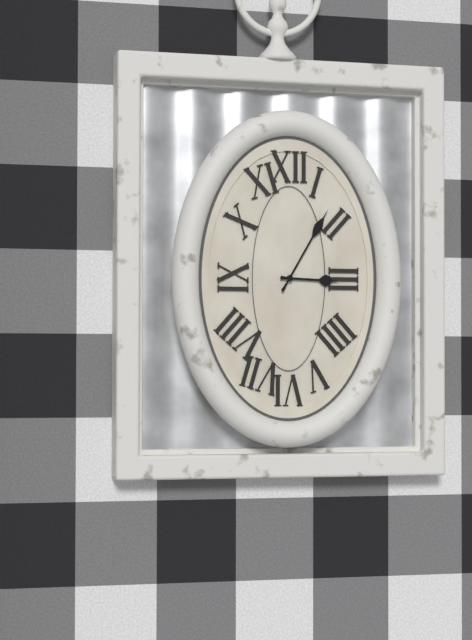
{"hour": 3, "minute": 5}
